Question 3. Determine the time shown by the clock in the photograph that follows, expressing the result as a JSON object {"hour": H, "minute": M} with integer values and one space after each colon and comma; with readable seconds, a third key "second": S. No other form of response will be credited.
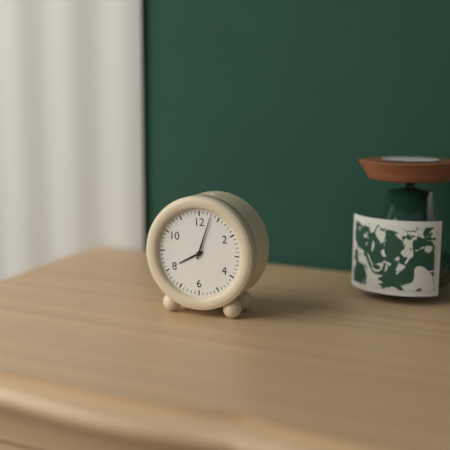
{"hour": 8, "minute": 3}
